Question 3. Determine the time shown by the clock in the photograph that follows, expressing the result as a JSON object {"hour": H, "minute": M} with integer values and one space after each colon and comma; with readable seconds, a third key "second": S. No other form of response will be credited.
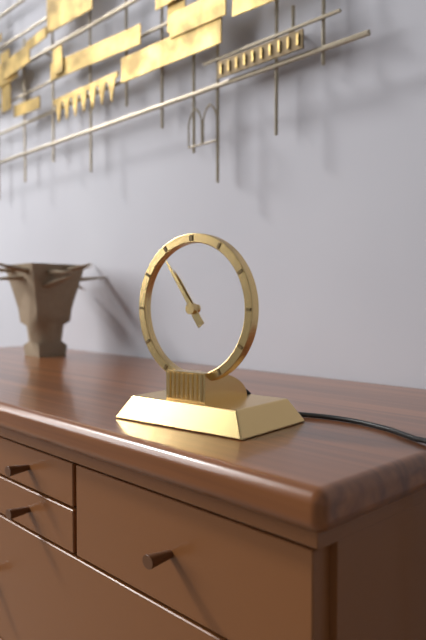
{"hour": 10, "minute": 54}
